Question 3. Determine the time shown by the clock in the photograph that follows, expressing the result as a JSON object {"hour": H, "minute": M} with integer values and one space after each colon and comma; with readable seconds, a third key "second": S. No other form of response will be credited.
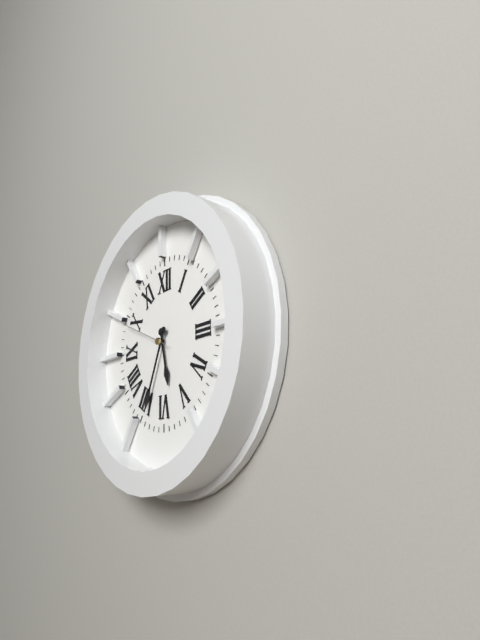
{"hour": 5, "minute": 34, "second": 49}
